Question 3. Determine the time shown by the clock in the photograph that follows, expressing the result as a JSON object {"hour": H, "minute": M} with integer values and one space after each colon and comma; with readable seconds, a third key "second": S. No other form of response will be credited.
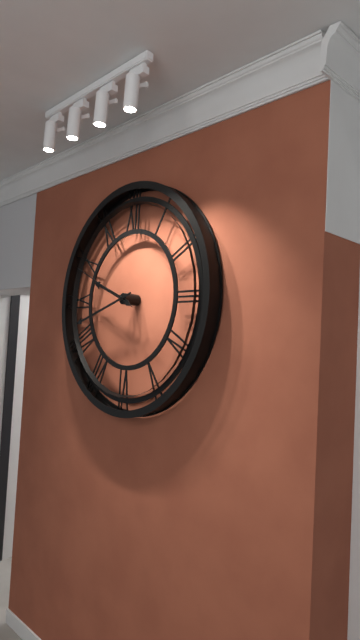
{"hour": 9, "minute": 42, "second": 49}
